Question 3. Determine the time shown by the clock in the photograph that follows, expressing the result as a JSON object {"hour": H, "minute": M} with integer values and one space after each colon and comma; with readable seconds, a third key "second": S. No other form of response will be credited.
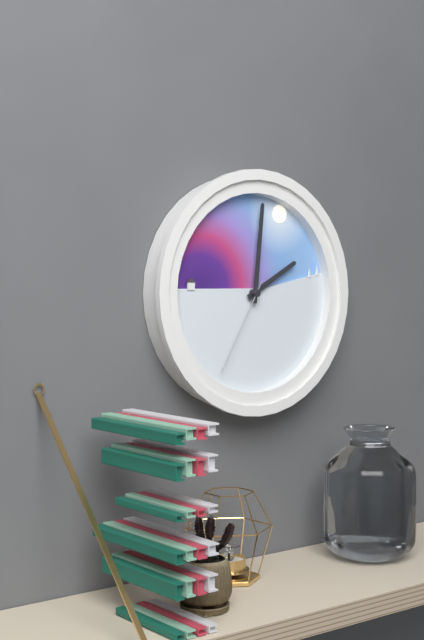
{"hour": 2, "minute": 1, "second": 35}
